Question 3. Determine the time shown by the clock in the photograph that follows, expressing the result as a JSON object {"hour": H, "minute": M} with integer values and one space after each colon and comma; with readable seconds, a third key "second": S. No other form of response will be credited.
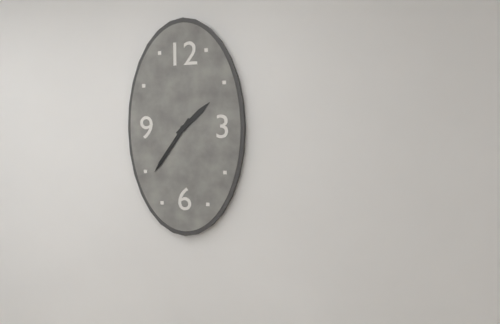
{"hour": 1, "minute": 36}
